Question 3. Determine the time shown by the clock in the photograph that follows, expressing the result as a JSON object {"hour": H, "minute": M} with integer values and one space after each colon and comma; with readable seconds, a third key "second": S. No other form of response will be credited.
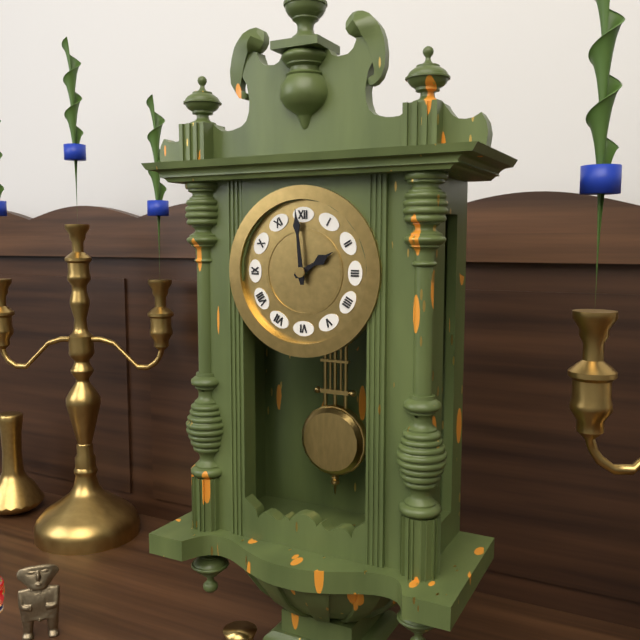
{"hour": 1, "minute": 59}
